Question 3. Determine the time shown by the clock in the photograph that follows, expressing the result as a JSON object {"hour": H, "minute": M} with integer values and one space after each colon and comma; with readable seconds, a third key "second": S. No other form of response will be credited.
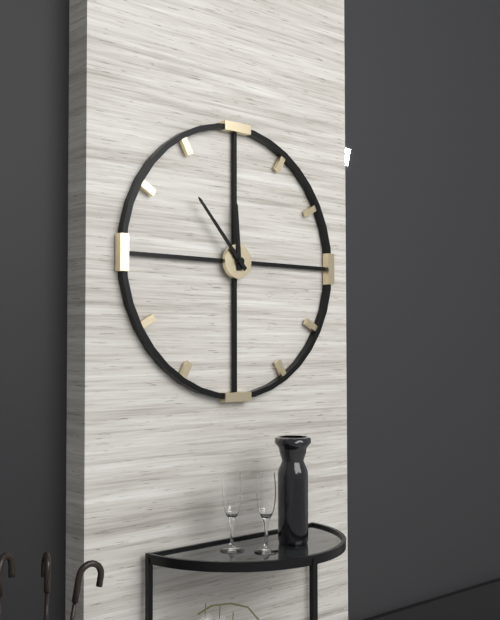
{"hour": 11, "minute": 53}
